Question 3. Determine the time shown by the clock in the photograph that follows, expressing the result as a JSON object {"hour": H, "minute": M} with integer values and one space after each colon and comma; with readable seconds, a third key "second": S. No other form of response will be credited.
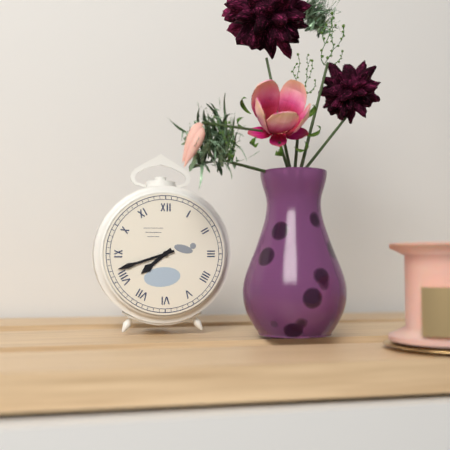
{"hour": 7, "minute": 42}
